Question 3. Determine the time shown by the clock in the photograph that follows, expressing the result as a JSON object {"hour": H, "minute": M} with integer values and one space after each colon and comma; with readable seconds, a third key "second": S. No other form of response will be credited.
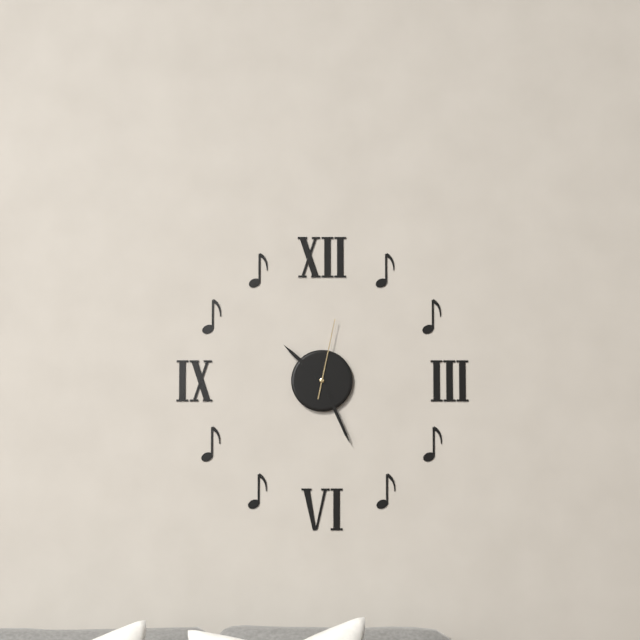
{"hour": 10, "minute": 26, "second": 2}
